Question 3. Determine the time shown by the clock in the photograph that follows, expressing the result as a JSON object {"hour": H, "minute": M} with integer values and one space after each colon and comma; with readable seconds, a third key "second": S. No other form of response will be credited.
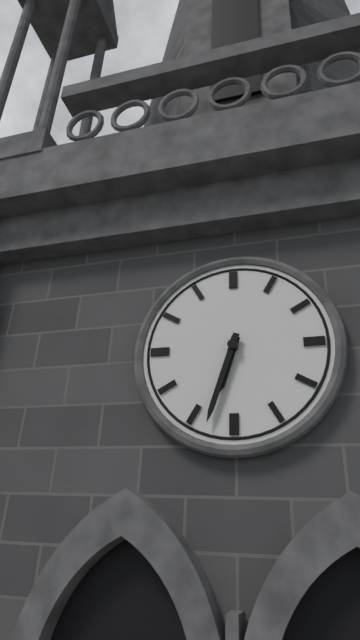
{"hour": 6, "minute": 33}
